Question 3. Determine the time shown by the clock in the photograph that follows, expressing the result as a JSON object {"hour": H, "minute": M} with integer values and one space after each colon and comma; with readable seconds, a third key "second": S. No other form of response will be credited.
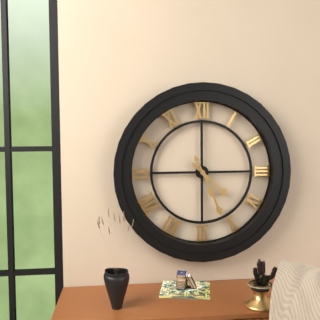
{"hour": 4, "minute": 26}
